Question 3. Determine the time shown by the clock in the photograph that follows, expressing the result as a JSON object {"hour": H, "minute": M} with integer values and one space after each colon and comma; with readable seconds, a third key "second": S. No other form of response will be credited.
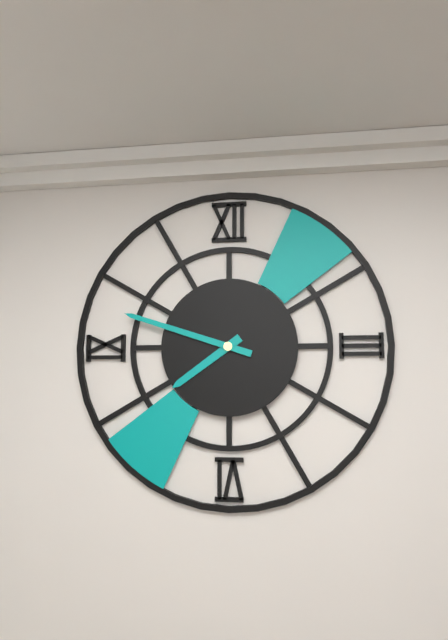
{"hour": 7, "minute": 48}
